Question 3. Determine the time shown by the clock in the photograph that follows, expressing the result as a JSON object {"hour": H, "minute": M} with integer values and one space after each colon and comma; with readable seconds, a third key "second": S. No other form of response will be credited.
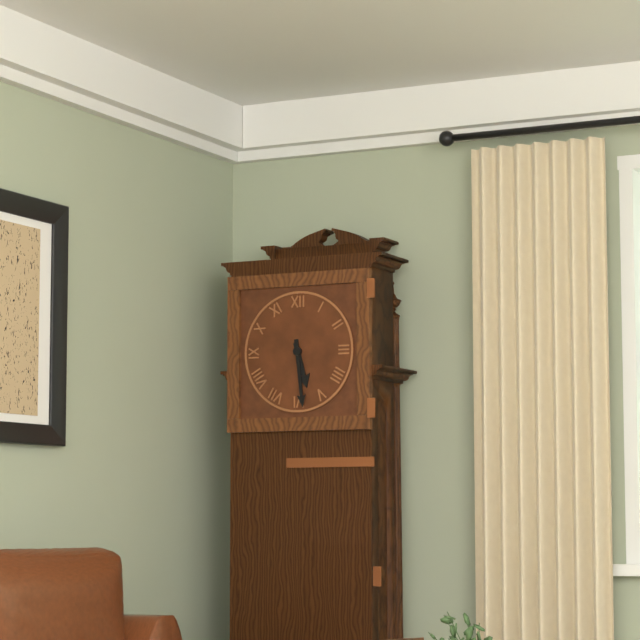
{"hour": 5, "minute": 29}
